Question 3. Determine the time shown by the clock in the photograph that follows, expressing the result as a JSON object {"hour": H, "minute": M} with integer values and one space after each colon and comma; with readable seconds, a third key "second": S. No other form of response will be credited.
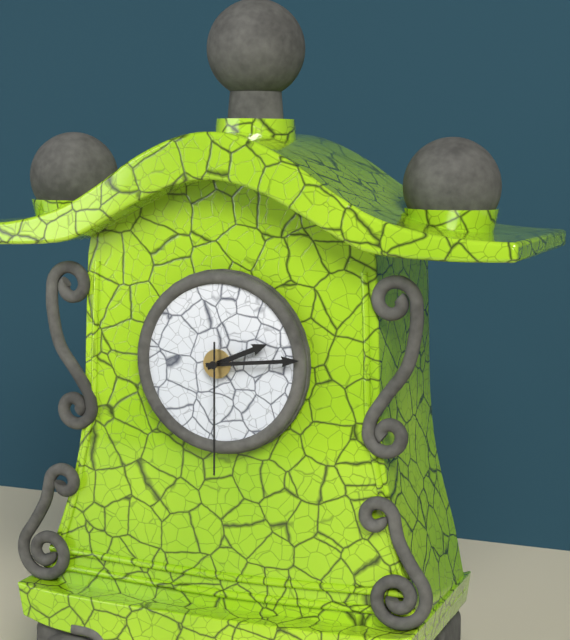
{"hour": 2, "minute": 14, "second": 30}
